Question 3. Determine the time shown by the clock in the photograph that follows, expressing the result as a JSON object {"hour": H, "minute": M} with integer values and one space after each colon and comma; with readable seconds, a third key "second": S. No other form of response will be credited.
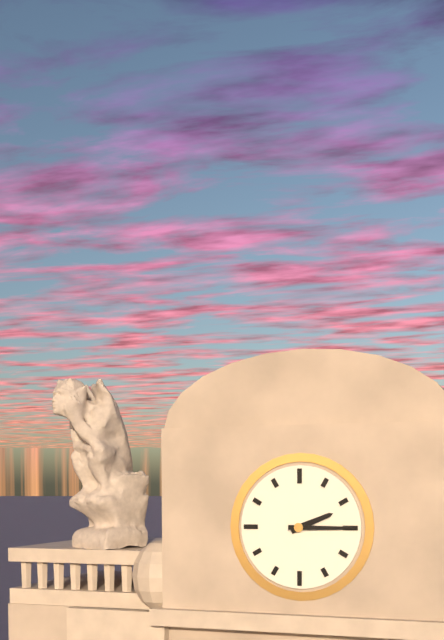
{"hour": 2, "minute": 15}
